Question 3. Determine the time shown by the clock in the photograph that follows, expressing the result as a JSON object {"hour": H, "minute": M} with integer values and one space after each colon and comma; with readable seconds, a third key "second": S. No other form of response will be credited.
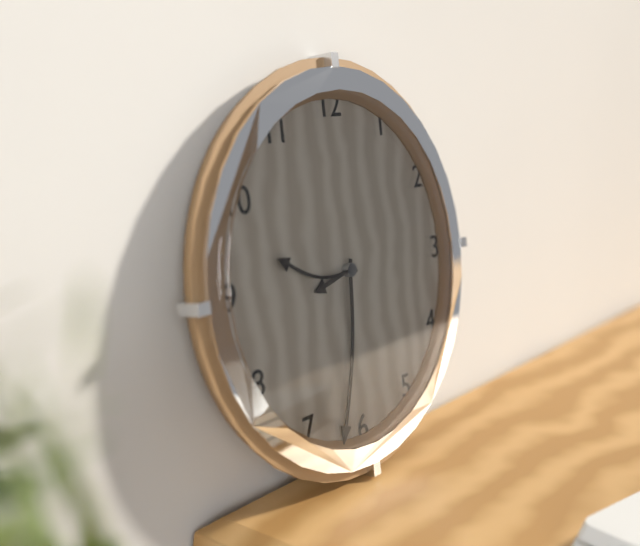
{"hour": 8, "minute": 32, "second": 47}
